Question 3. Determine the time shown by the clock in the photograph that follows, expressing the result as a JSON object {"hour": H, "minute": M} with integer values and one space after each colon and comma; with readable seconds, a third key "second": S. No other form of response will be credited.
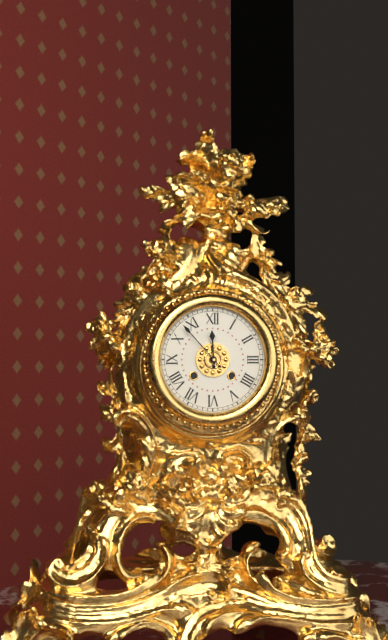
{"hour": 11, "minute": 53}
